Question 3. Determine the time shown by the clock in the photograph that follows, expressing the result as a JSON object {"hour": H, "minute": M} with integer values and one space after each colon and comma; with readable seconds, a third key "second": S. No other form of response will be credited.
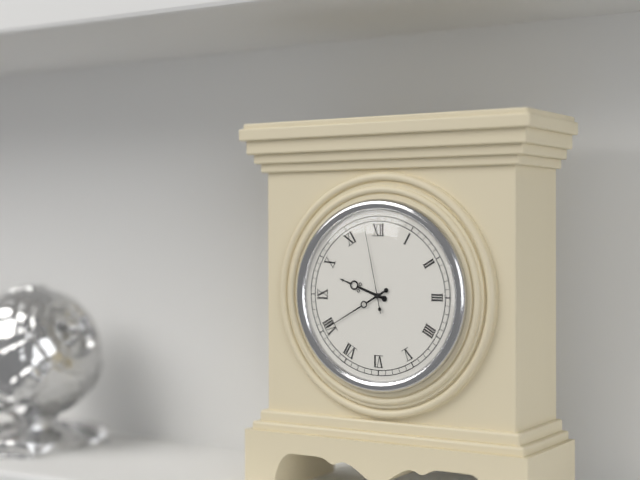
{"hour": 9, "minute": 40, "second": 58}
